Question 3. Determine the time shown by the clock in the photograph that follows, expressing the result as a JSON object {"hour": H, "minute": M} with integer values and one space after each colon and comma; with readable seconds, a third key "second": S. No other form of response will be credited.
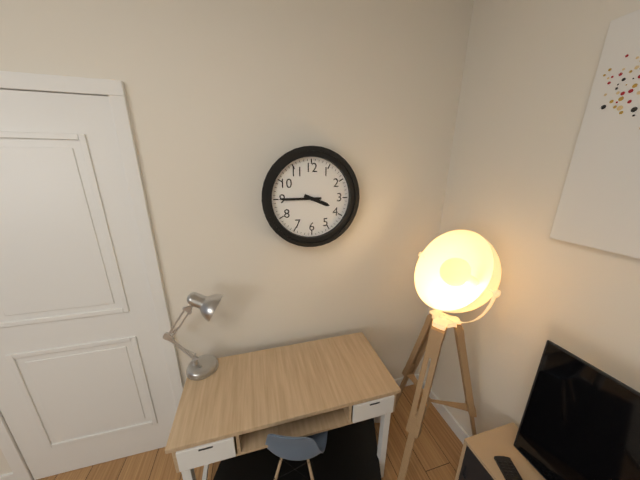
{"hour": 3, "minute": 45}
